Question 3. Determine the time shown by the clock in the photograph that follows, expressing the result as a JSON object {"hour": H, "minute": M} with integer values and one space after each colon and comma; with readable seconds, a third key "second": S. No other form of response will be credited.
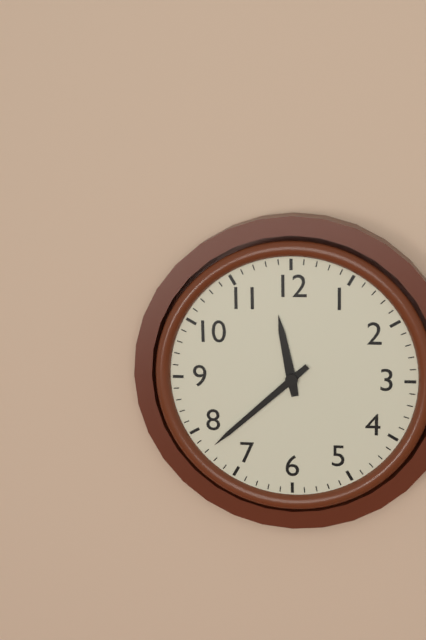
{"hour": 11, "minute": 38}
